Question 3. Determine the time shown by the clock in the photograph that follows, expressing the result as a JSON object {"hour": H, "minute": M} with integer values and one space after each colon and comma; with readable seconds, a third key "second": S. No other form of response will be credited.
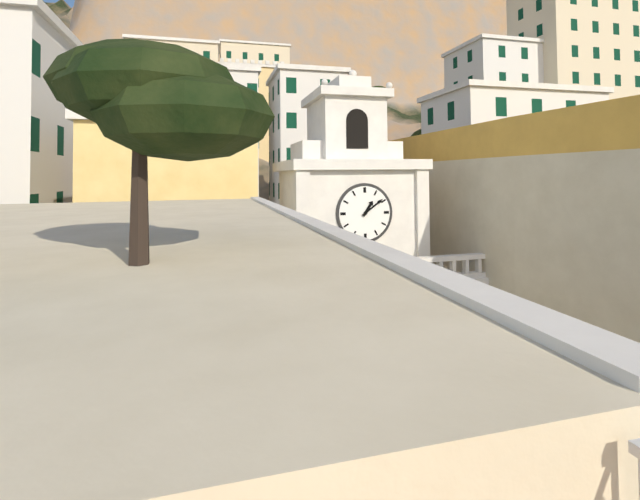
{"hour": 1, "minute": 9}
